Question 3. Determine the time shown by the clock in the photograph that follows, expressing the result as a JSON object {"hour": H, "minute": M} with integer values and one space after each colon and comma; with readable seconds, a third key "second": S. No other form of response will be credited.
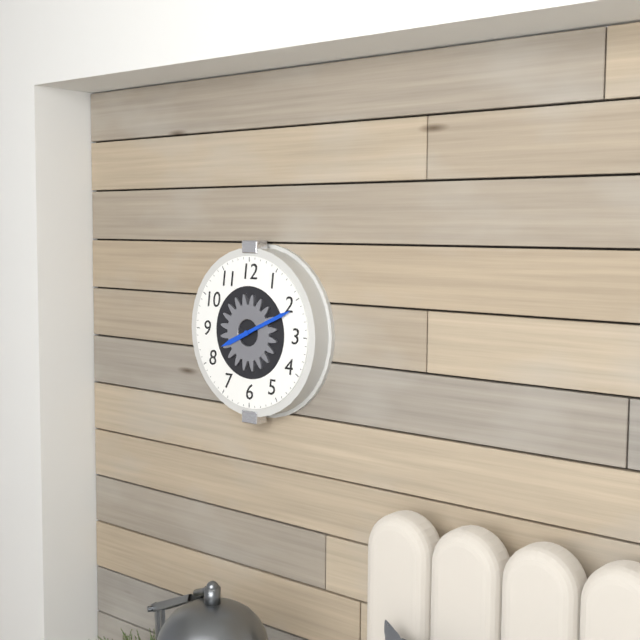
{"hour": 8, "minute": 11}
